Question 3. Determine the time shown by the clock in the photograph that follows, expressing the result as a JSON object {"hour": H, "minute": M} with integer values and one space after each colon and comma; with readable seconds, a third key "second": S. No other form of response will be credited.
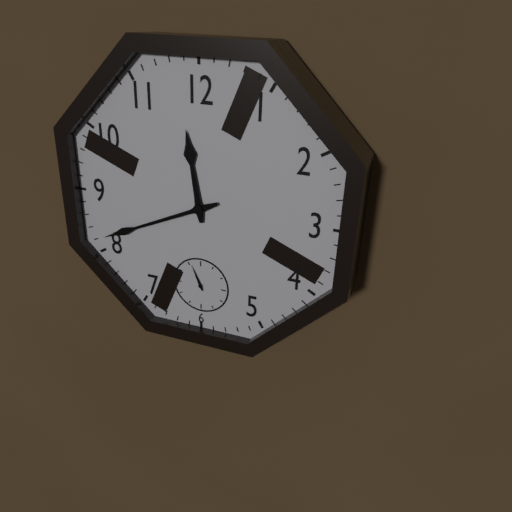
{"hour": 11, "minute": 41}
